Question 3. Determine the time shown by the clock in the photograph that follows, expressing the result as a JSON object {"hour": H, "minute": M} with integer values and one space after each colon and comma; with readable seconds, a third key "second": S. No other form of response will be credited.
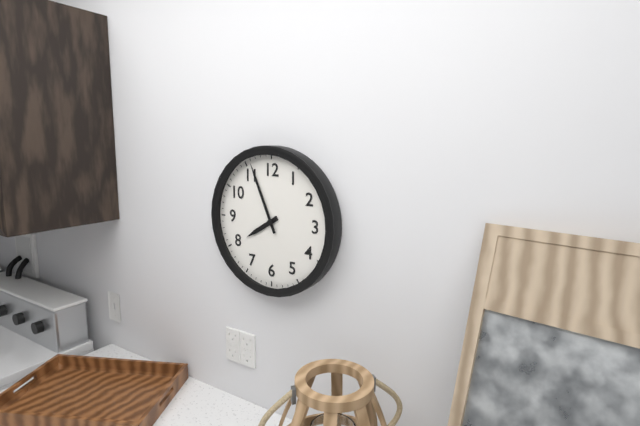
{"hour": 7, "minute": 56}
